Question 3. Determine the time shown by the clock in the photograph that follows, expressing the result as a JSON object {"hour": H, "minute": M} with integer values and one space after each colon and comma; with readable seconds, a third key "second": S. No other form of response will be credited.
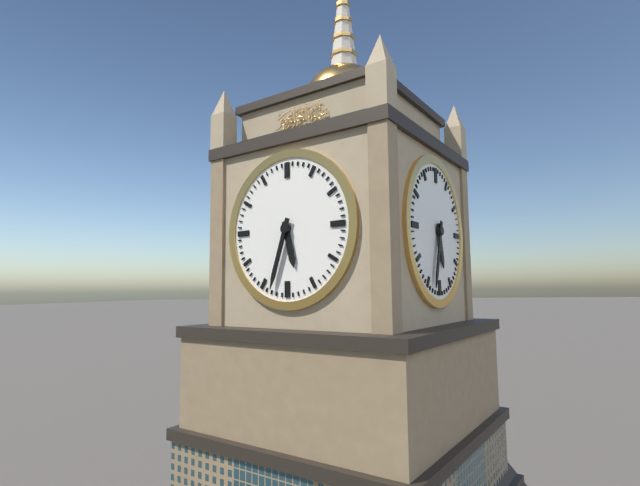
{"hour": 5, "minute": 33}
